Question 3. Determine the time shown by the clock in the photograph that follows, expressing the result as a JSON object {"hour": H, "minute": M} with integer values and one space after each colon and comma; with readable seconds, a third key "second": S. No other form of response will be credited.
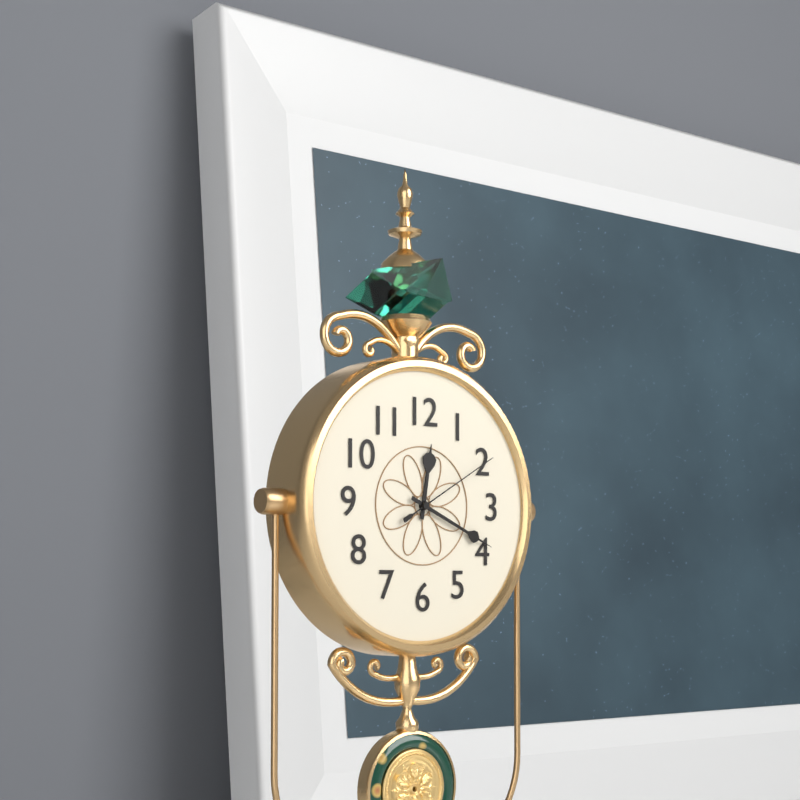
{"hour": 12, "minute": 19, "second": 10}
